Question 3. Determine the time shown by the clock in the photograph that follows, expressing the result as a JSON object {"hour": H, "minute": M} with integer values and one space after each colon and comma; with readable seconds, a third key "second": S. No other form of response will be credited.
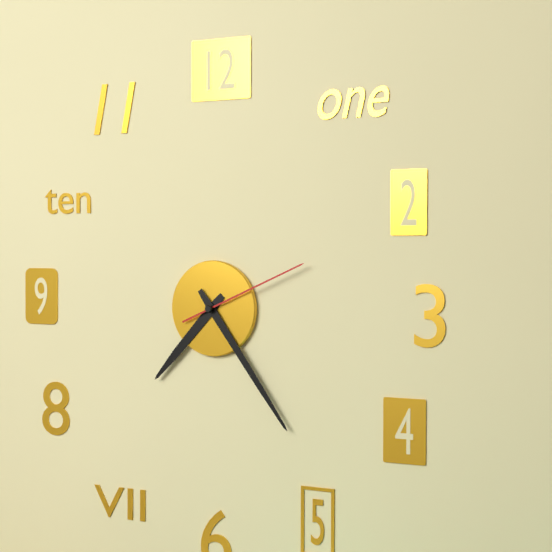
{"hour": 7, "minute": 24, "second": 11}
